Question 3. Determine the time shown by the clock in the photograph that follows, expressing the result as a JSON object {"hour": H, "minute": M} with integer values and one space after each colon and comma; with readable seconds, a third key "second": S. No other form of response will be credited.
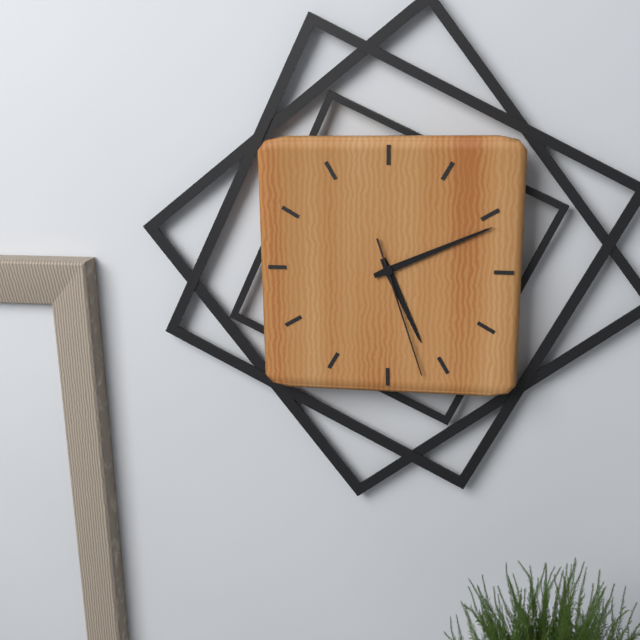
{"hour": 5, "minute": 11, "second": 27}
